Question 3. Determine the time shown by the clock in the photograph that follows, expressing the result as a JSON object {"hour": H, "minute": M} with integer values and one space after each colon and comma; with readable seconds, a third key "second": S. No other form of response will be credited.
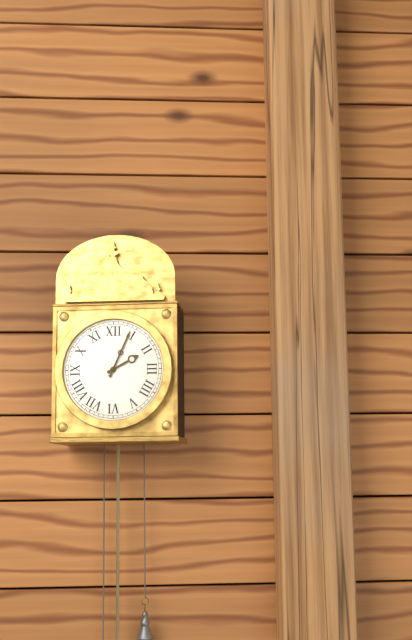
{"hour": 2, "minute": 4}
